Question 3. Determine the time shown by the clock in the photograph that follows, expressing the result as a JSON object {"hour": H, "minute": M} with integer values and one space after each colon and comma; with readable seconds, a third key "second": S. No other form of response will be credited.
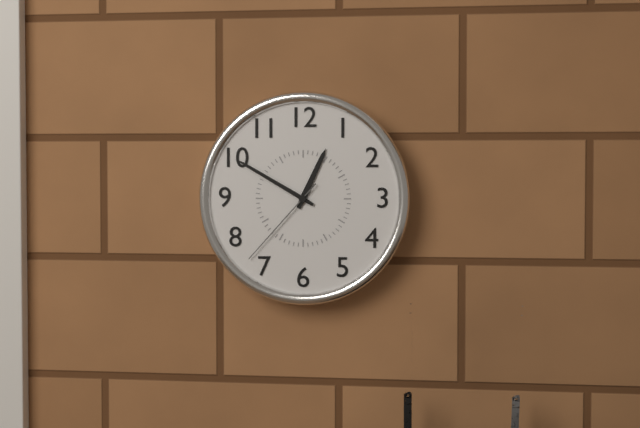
{"hour": 12, "minute": 50, "second": 37}
